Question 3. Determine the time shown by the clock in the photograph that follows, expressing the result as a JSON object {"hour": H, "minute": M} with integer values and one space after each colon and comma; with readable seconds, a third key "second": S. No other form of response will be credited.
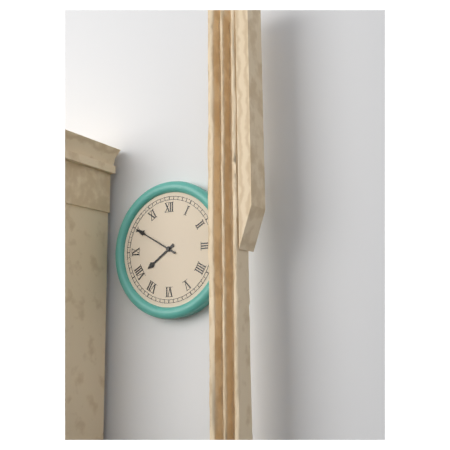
{"hour": 7, "minute": 50}
